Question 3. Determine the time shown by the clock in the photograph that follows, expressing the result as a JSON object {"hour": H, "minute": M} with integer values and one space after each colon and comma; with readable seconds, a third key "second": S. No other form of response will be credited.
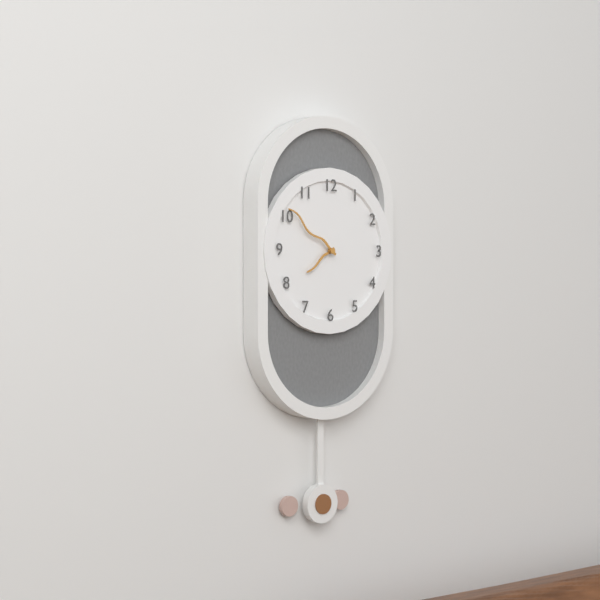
{"hour": 7, "minute": 51}
